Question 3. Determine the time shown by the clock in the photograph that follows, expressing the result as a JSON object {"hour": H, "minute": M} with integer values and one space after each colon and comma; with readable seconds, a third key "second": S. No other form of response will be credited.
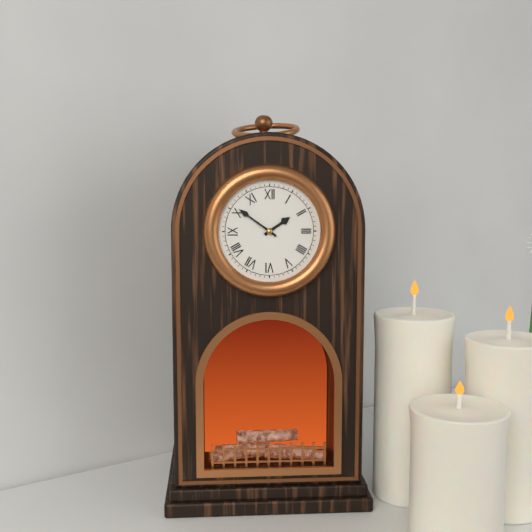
{"hour": 1, "minute": 51}
